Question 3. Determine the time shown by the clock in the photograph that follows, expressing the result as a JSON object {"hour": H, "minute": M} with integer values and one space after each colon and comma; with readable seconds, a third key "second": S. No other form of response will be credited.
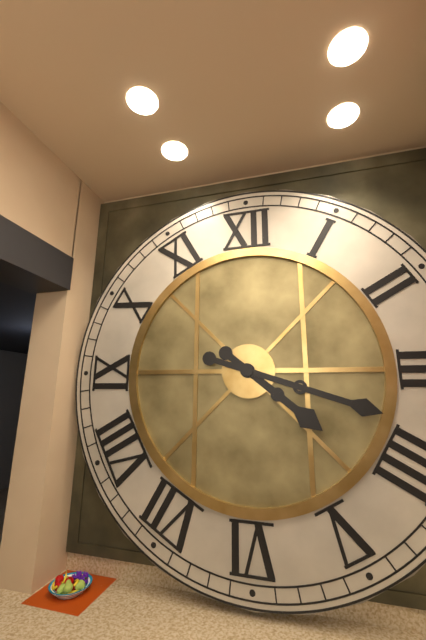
{"hour": 4, "minute": 18}
